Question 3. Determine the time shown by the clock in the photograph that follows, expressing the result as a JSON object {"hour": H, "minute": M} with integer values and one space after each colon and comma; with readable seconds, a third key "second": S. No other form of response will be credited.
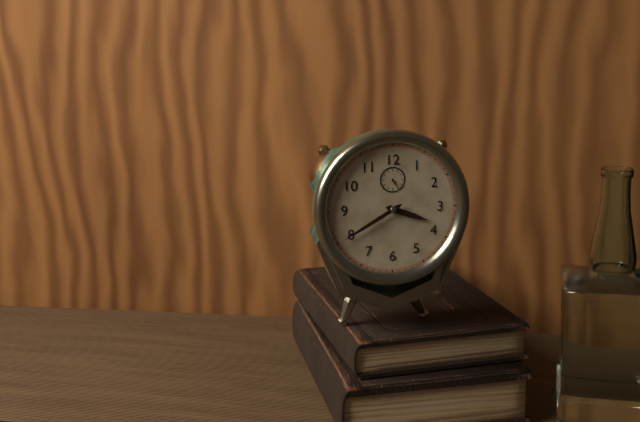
{"hour": 3, "minute": 40}
